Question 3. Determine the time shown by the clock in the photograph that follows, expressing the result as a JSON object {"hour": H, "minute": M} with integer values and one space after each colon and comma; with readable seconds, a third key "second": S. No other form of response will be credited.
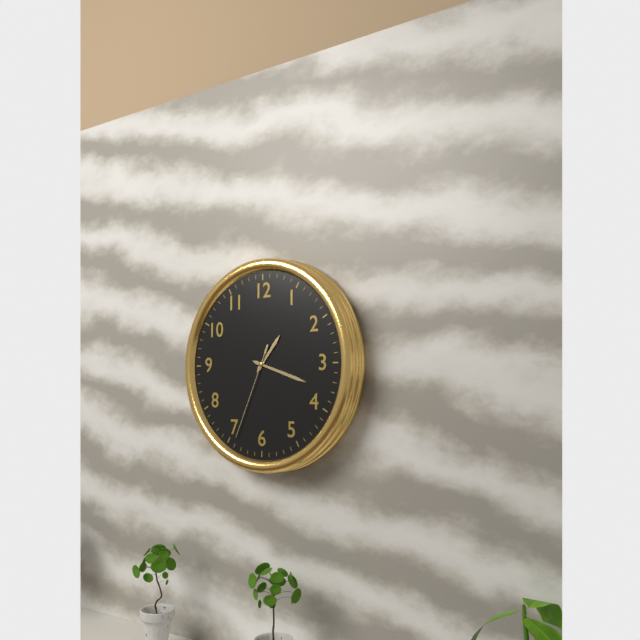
{"hour": 1, "minute": 18, "second": 34}
